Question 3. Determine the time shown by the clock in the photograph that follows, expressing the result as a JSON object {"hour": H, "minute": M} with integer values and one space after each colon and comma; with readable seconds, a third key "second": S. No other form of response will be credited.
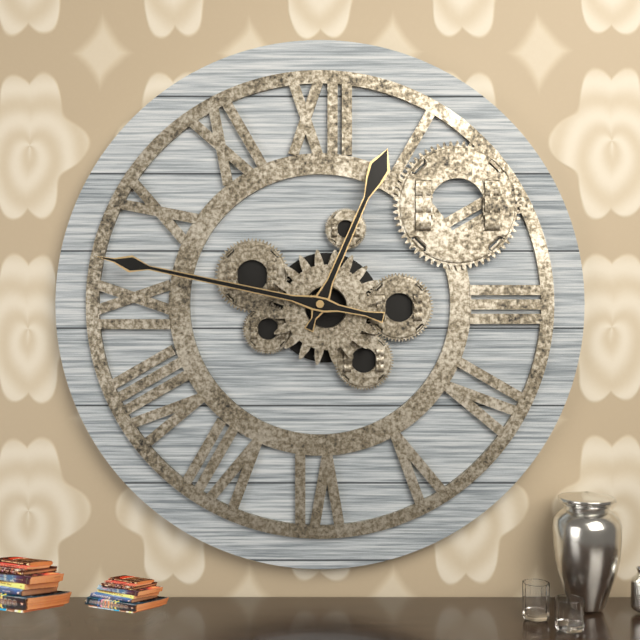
{"hour": 12, "minute": 47}
